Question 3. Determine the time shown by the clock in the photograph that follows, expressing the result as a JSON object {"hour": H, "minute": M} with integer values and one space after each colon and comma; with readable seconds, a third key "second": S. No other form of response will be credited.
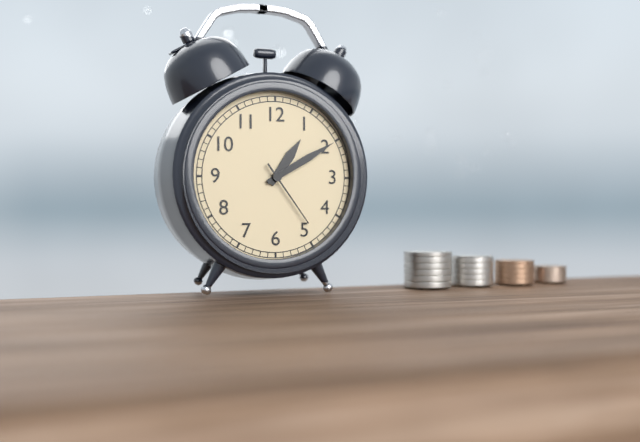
{"hour": 1, "minute": 10, "second": 24}
